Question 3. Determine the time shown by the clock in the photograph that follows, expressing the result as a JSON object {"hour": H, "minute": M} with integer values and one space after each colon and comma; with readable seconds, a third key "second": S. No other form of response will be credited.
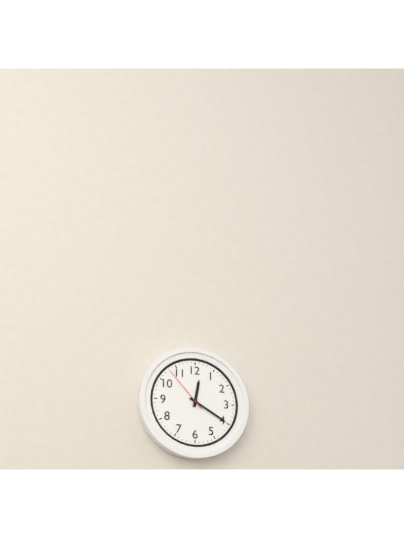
{"hour": 12, "minute": 20, "second": 53}
